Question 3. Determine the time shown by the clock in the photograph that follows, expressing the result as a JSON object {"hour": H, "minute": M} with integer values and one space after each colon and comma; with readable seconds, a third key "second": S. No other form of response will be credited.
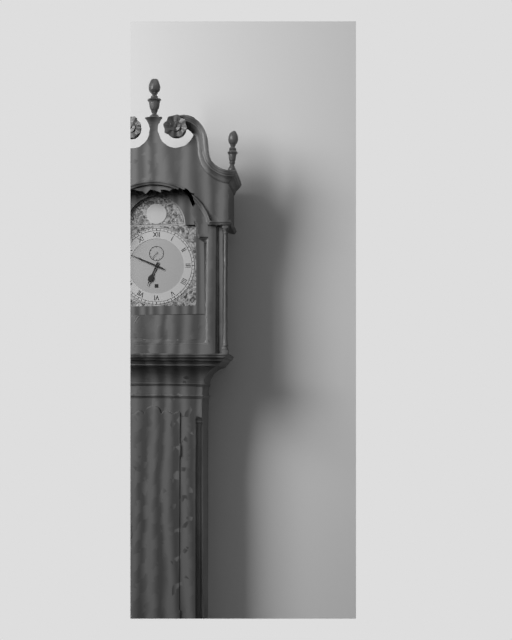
{"hour": 6, "minute": 49}
